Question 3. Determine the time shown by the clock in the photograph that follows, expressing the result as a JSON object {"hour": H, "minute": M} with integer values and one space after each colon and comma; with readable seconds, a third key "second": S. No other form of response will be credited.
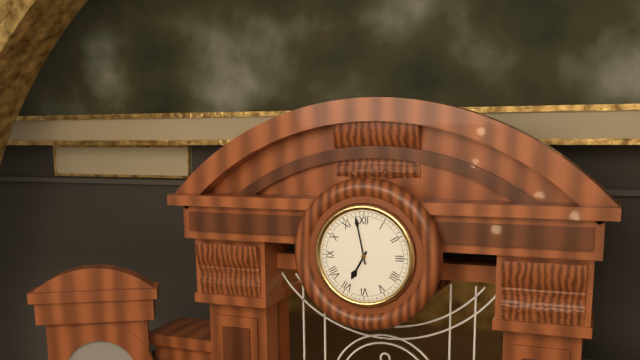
{"hour": 6, "minute": 58}
